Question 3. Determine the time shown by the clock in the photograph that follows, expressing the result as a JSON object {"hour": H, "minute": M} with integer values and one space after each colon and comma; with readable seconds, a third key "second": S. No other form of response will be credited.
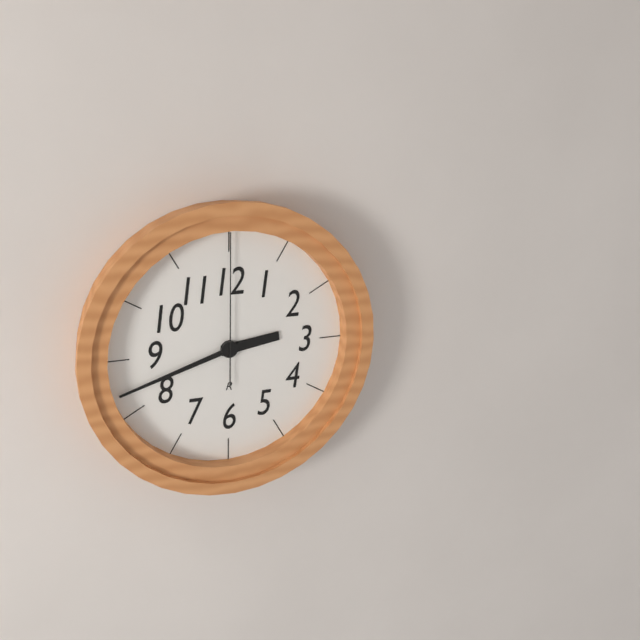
{"hour": 2, "minute": 42, "second": 0}
